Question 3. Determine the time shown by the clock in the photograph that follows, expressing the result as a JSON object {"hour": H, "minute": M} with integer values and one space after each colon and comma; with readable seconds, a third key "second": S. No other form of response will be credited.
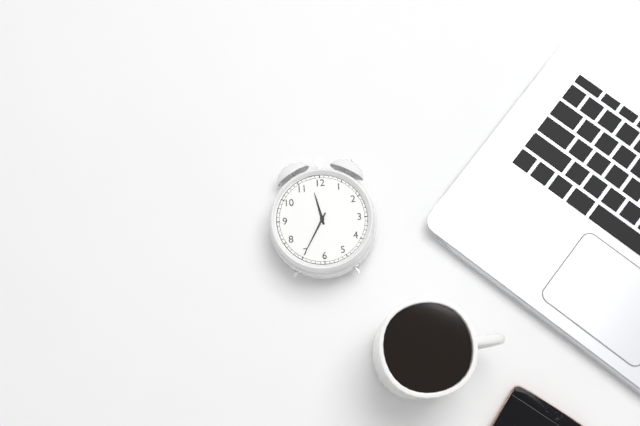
{"hour": 11, "minute": 35}
